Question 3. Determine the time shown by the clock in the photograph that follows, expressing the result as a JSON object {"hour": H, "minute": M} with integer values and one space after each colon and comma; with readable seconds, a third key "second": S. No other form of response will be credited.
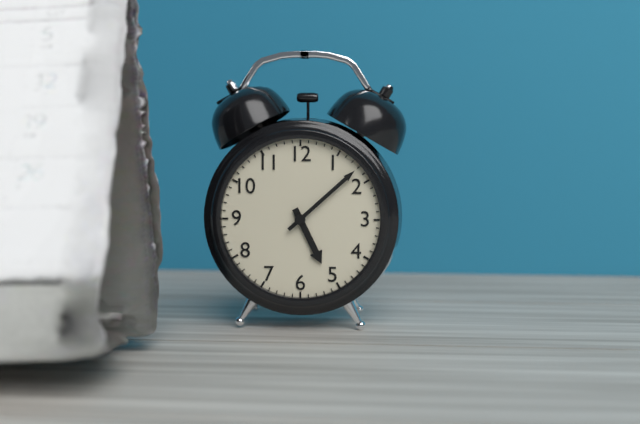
{"hour": 5, "minute": 8}
